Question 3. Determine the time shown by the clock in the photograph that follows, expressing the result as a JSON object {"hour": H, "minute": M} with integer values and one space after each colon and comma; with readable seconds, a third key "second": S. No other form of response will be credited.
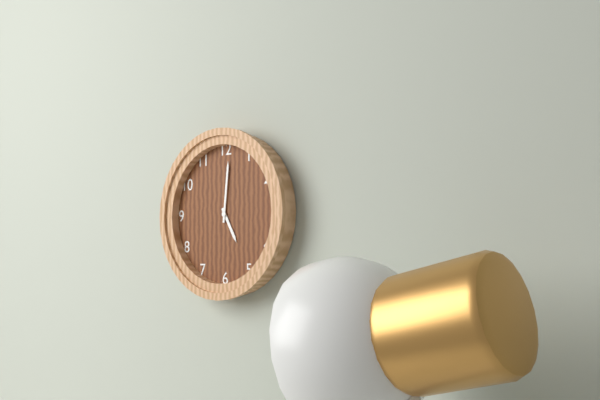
{"hour": 5, "minute": 1}
